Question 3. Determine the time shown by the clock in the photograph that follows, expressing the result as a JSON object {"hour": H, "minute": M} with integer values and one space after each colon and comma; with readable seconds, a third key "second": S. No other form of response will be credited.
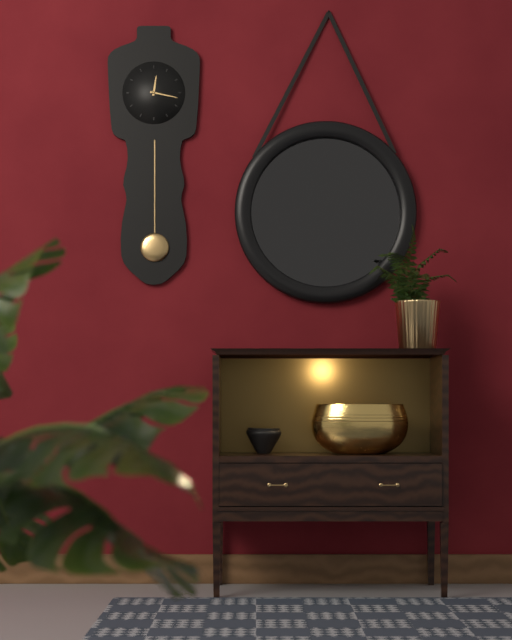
{"hour": 12, "minute": 17}
